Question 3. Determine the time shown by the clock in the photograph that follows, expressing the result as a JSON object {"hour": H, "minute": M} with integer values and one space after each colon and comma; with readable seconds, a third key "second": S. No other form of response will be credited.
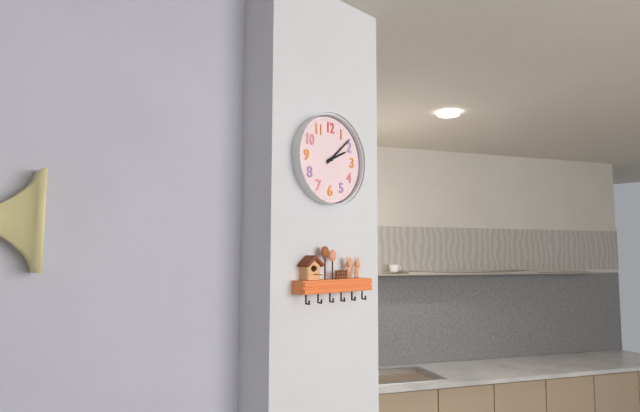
{"hour": 2, "minute": 8}
